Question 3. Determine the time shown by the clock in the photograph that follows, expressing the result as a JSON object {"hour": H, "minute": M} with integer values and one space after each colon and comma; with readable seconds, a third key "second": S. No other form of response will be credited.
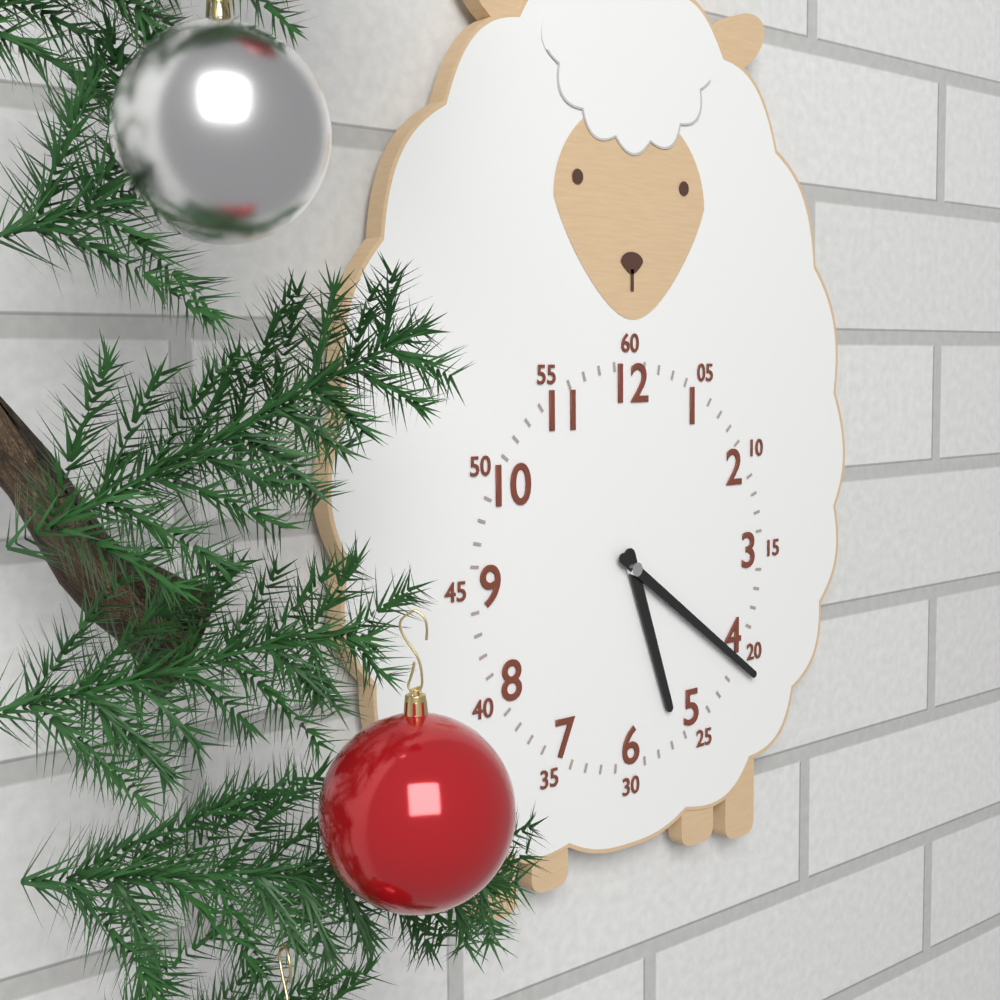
{"hour": 5, "minute": 21}
